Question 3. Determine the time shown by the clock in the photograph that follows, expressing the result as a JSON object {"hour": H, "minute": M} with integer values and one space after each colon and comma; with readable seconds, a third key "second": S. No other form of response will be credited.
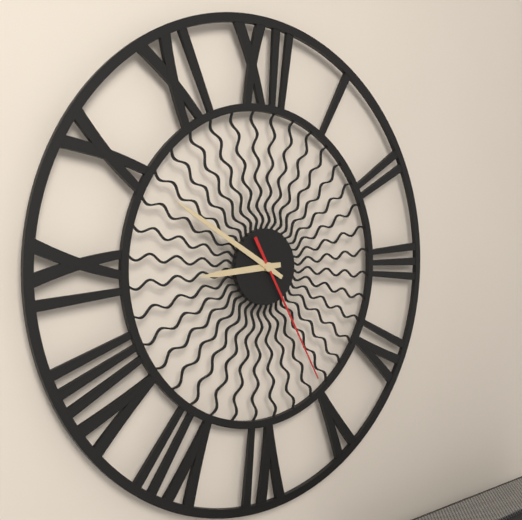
{"hour": 8, "minute": 50, "second": 25}
